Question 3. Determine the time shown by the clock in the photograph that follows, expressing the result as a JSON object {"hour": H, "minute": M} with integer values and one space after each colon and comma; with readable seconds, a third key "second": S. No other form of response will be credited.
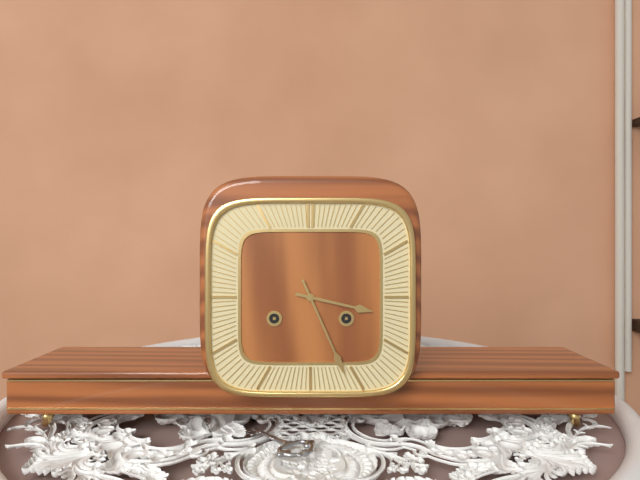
{"hour": 3, "minute": 26}
